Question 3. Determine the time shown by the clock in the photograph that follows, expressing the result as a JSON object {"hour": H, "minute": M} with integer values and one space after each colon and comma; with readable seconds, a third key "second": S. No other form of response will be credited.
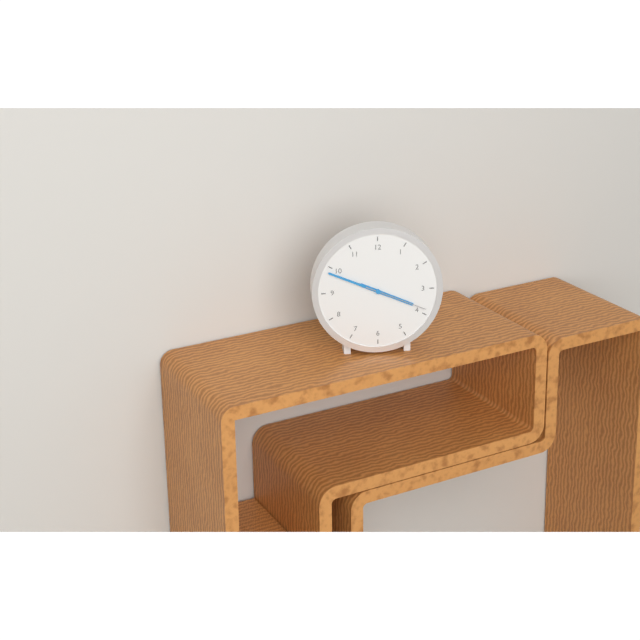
{"hour": 3, "minute": 49, "second": 19}
